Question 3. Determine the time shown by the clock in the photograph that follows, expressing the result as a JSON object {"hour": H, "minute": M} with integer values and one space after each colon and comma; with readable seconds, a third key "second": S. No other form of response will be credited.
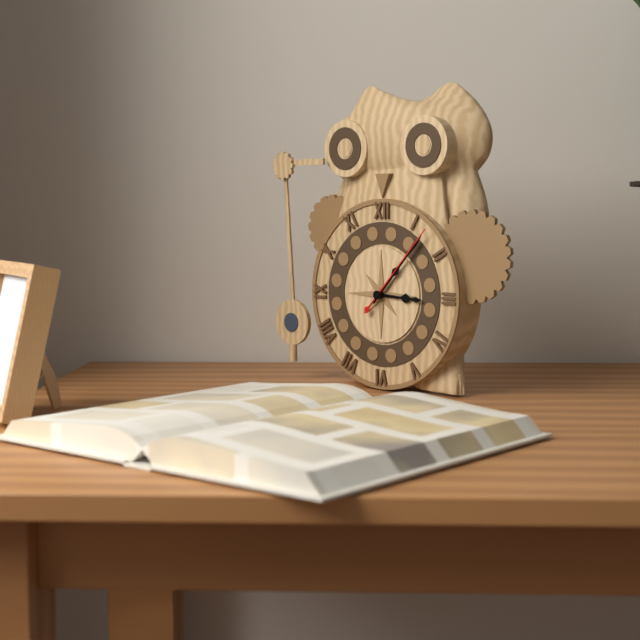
{"hour": 3, "minute": 7, "second": 7}
